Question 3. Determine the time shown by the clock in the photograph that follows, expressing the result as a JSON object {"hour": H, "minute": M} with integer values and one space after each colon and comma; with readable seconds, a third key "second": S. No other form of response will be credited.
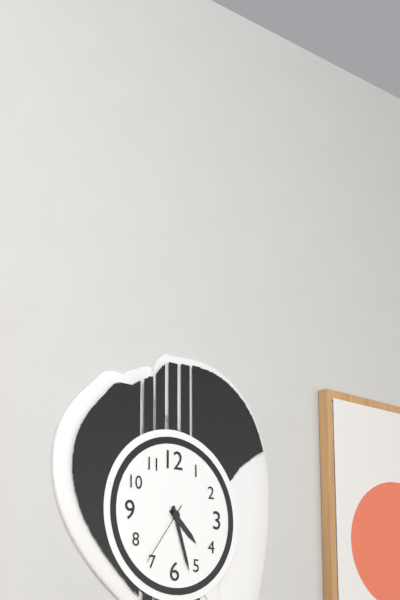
{"hour": 4, "minute": 27, "second": 36}
